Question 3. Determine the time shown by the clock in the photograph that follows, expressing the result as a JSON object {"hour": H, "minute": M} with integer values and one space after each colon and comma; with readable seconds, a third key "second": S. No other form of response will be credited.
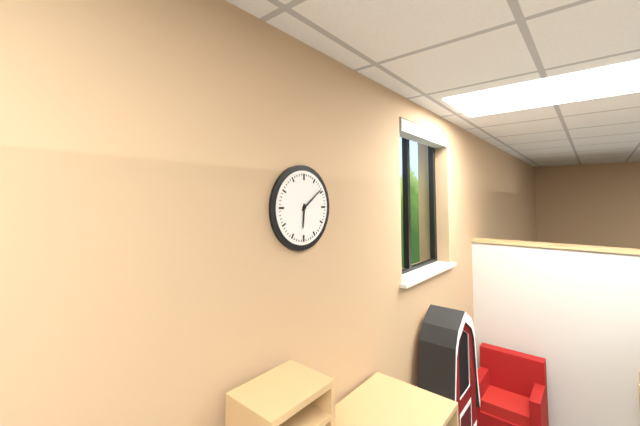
{"hour": 6, "minute": 9}
